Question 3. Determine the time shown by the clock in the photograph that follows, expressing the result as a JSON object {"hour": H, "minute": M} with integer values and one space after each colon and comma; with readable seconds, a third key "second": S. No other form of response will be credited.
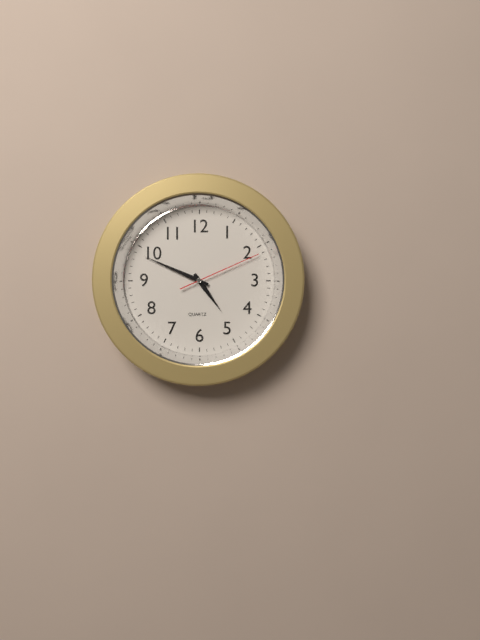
{"hour": 4, "minute": 49, "second": 11}
